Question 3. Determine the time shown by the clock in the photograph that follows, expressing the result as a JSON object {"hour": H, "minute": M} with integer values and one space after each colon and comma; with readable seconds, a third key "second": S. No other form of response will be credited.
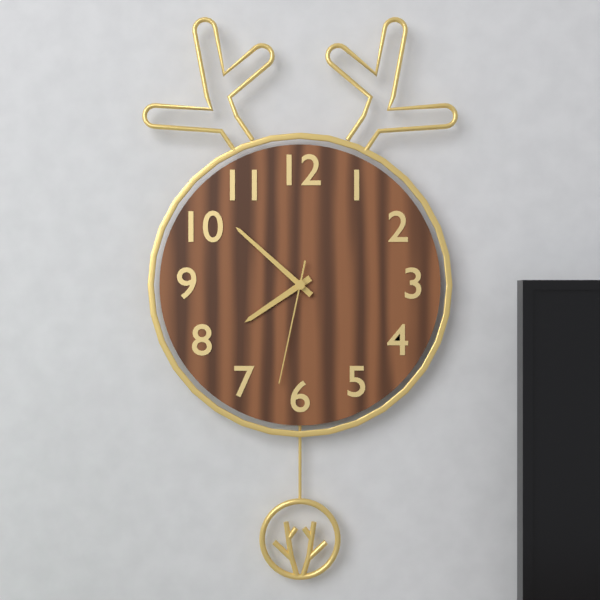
{"hour": 7, "minute": 52, "second": 32}
